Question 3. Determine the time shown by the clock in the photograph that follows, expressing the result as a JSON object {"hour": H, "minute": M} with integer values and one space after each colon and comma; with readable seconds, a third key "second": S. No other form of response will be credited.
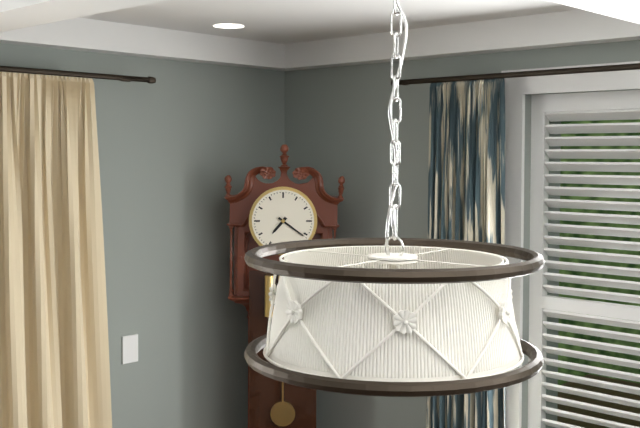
{"hour": 7, "minute": 21}
